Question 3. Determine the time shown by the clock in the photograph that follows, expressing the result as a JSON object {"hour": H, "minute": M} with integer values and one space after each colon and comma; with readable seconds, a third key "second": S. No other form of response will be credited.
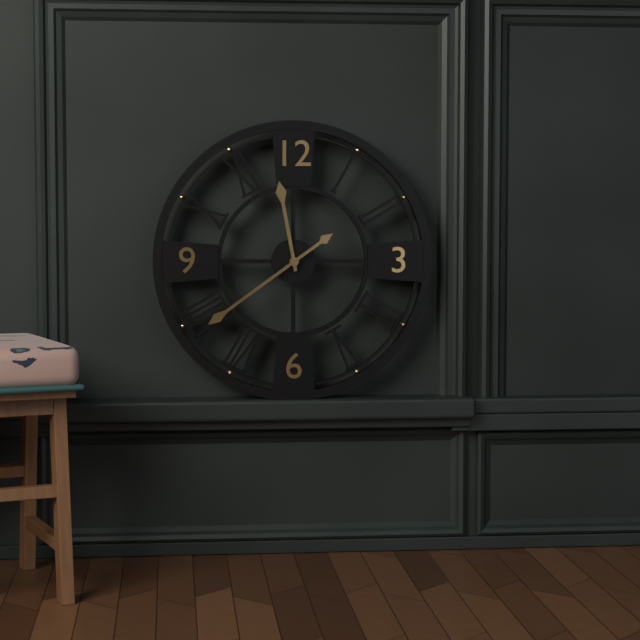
{"hour": 11, "minute": 39}
